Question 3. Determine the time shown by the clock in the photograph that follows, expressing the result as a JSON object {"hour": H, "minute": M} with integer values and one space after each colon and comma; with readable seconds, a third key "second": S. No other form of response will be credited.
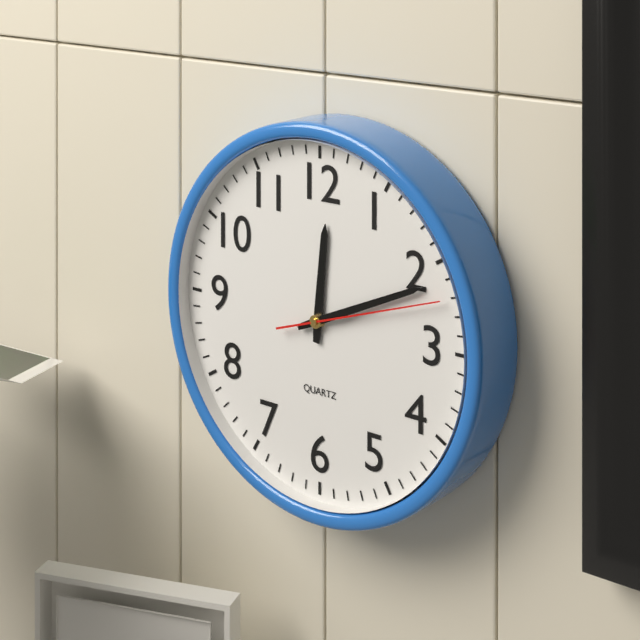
{"hour": 12, "minute": 11, "second": 12}
